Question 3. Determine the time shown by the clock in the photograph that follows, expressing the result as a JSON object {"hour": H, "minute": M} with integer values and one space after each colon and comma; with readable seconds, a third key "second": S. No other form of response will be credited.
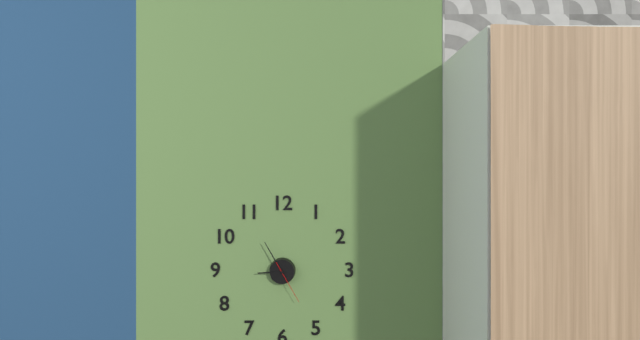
{"hour": 8, "minute": 55}
